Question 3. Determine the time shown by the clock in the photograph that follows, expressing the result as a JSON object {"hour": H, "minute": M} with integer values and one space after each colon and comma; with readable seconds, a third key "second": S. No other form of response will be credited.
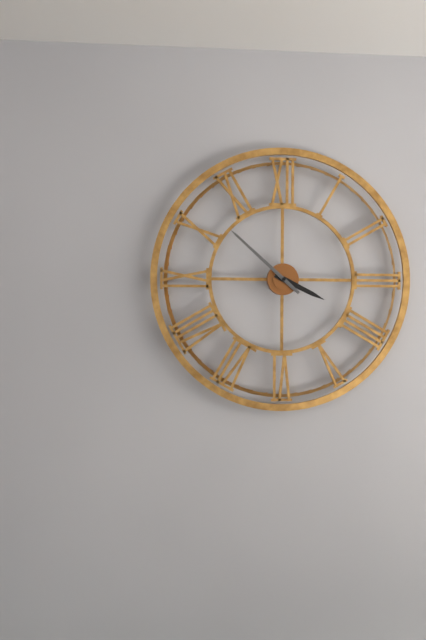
{"hour": 3, "minute": 52}
